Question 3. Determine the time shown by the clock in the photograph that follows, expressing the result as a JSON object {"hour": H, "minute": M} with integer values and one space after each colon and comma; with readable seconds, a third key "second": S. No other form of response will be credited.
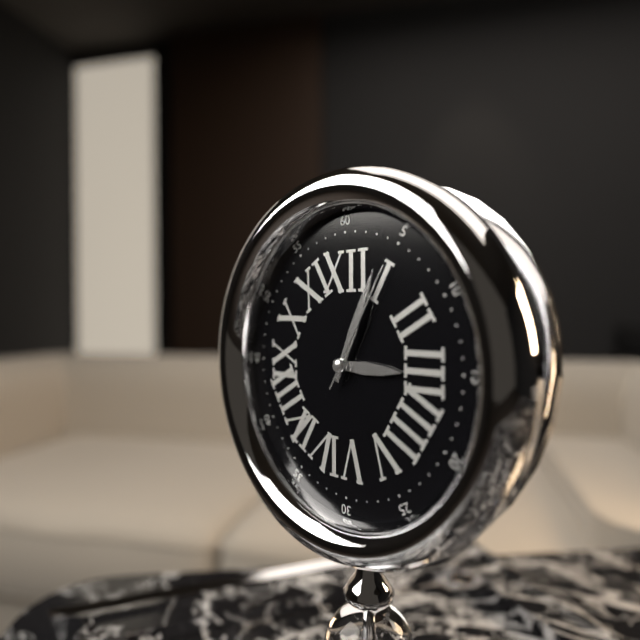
{"hour": 3, "minute": 4, "second": 5}
